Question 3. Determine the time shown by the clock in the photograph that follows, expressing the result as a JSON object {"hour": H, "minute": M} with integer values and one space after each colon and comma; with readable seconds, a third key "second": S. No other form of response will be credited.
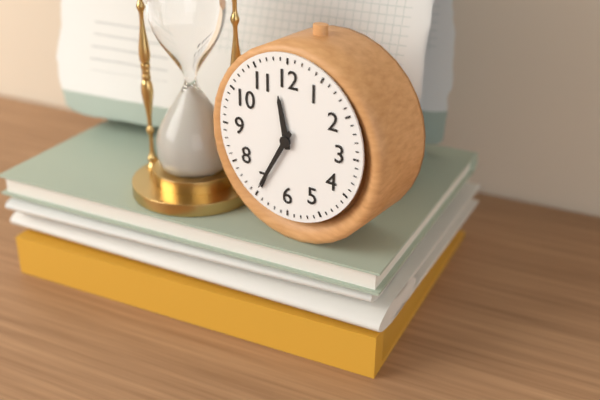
{"hour": 11, "minute": 35}
